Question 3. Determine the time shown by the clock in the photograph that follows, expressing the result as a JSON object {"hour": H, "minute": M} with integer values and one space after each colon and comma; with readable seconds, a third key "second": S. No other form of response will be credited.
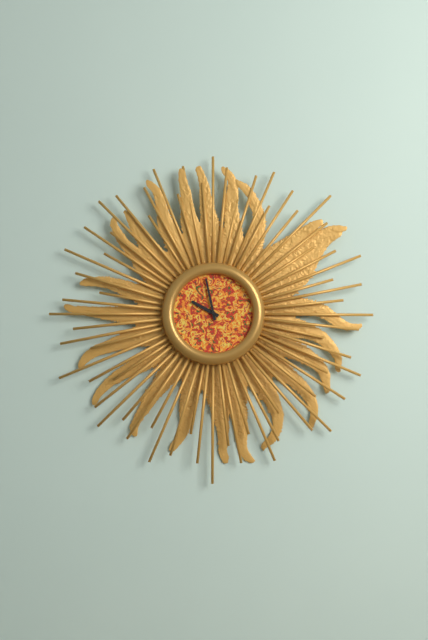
{"hour": 9, "minute": 58}
